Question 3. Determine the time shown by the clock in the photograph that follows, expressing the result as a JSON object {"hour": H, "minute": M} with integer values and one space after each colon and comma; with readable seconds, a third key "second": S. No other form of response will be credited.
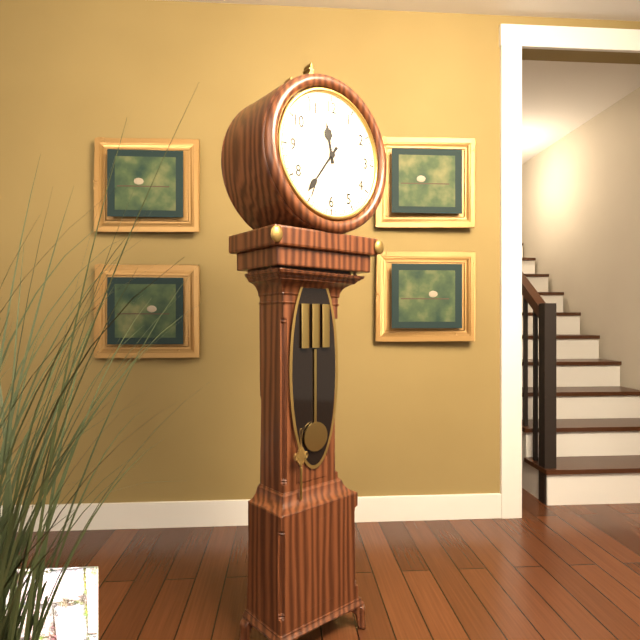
{"hour": 11, "minute": 36}
